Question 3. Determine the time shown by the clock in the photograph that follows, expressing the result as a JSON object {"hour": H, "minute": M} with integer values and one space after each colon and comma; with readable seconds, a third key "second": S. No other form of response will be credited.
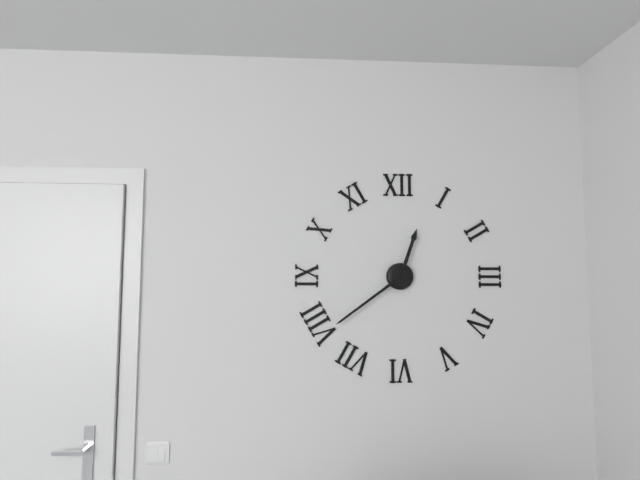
{"hour": 12, "minute": 39}
